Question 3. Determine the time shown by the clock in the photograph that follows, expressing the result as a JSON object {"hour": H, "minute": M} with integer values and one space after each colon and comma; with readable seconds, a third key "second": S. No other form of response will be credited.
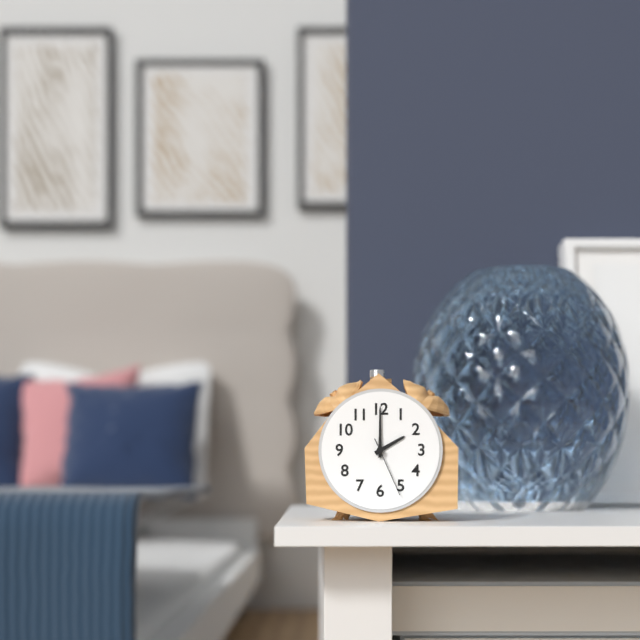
{"hour": 2, "minute": 0, "second": 26}
